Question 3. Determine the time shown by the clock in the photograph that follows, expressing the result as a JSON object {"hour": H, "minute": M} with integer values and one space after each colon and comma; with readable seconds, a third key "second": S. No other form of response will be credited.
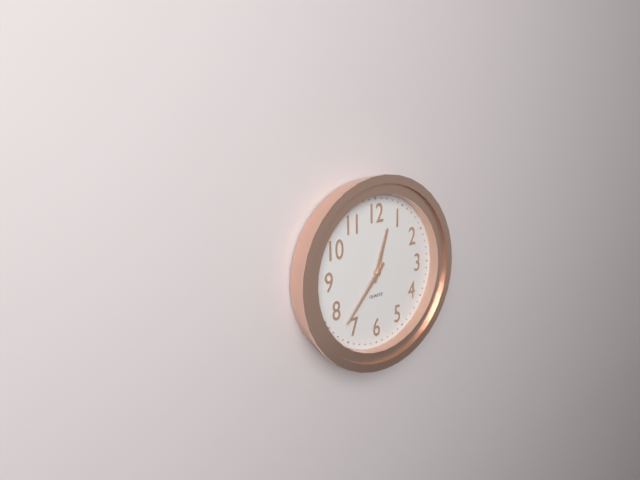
{"hour": 12, "minute": 37}
